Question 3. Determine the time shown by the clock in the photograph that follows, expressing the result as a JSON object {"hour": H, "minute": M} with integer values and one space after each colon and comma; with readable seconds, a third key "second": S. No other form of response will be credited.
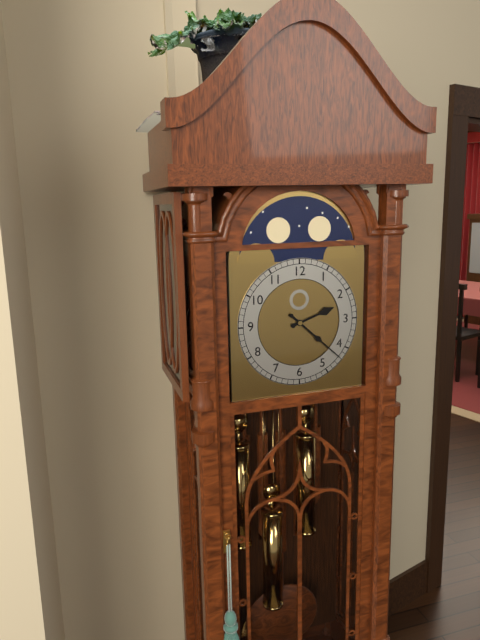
{"hour": 2, "minute": 22}
